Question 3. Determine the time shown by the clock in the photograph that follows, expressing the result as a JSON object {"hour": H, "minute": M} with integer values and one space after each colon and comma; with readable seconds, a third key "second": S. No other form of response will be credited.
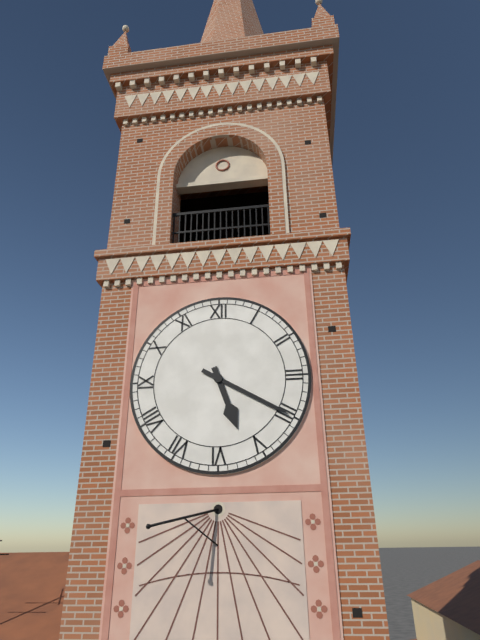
{"hour": 5, "minute": 20}
